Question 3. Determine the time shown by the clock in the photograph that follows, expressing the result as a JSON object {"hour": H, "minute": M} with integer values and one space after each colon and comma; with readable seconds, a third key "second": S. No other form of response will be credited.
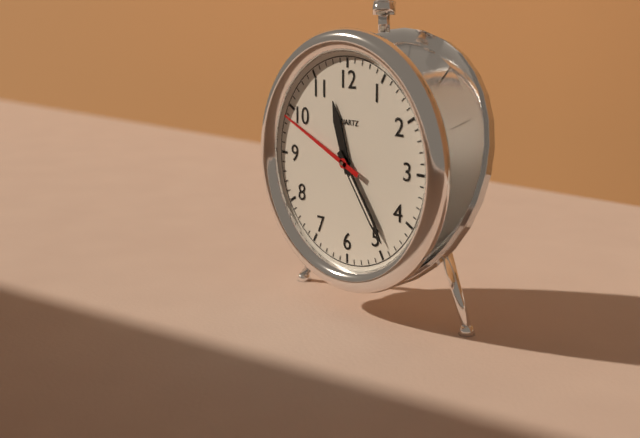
{"hour": 11, "minute": 24, "second": 49}
